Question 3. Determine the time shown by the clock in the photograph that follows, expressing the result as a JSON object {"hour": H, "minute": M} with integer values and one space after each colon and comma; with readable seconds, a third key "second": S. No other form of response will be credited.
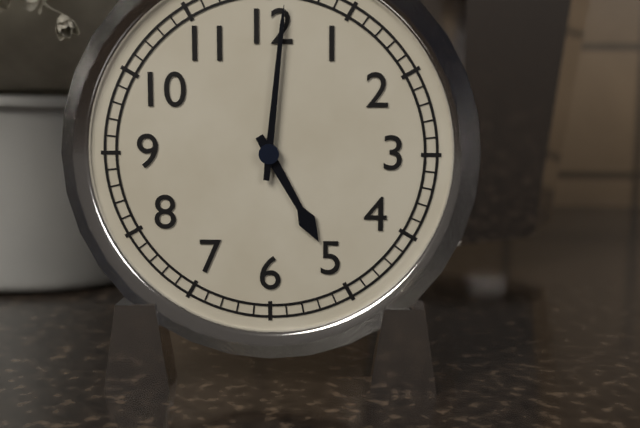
{"hour": 5, "minute": 1}
